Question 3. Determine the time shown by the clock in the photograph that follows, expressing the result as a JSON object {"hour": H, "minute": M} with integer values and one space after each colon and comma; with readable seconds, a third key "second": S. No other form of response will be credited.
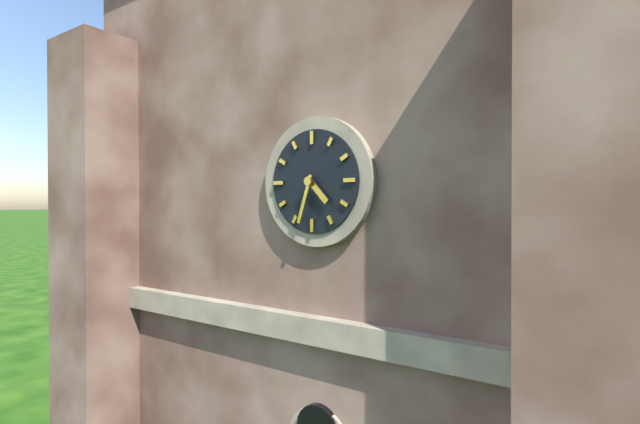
{"hour": 4, "minute": 33}
